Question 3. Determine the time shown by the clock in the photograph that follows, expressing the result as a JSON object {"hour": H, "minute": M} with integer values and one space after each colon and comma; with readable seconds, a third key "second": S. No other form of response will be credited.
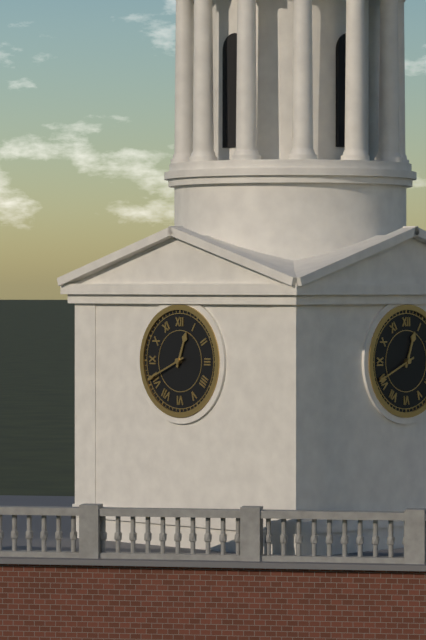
{"hour": 12, "minute": 41}
